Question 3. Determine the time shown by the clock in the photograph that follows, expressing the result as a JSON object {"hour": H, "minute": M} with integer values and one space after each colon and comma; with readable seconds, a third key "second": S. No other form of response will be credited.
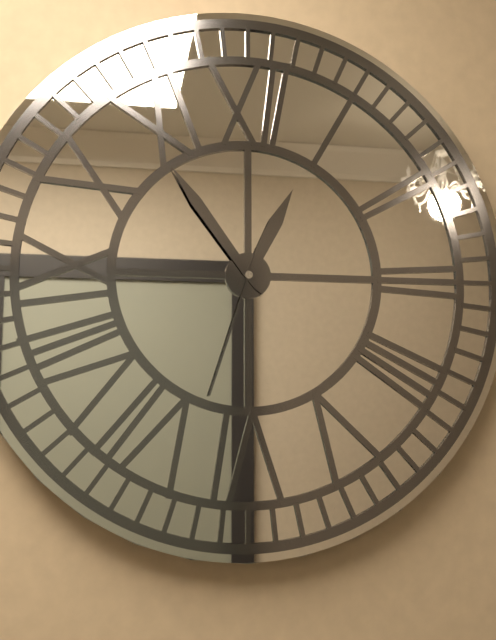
{"hour": 12, "minute": 54, "second": 33}
